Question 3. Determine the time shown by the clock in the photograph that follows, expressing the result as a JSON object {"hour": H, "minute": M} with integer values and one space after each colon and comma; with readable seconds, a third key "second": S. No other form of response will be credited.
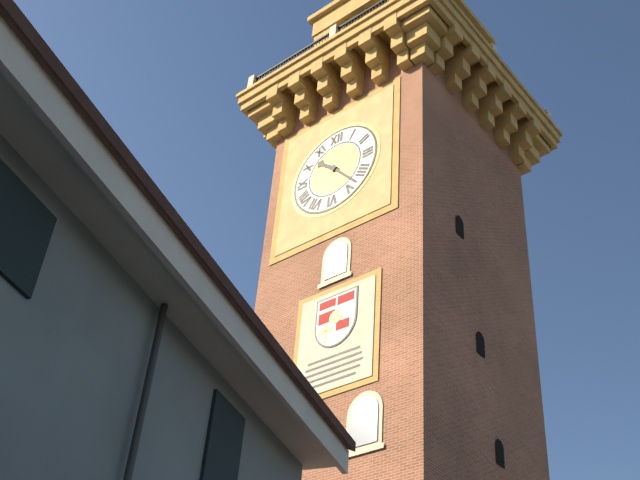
{"hour": 10, "minute": 23}
